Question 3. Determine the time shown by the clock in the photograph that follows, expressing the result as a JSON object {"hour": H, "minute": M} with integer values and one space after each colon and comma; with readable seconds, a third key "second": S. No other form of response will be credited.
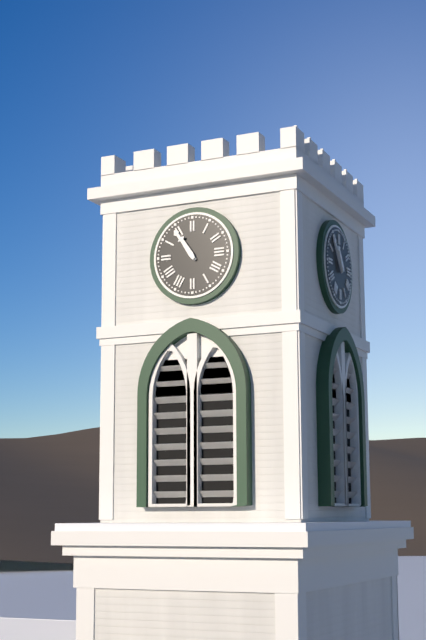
{"hour": 10, "minute": 54}
